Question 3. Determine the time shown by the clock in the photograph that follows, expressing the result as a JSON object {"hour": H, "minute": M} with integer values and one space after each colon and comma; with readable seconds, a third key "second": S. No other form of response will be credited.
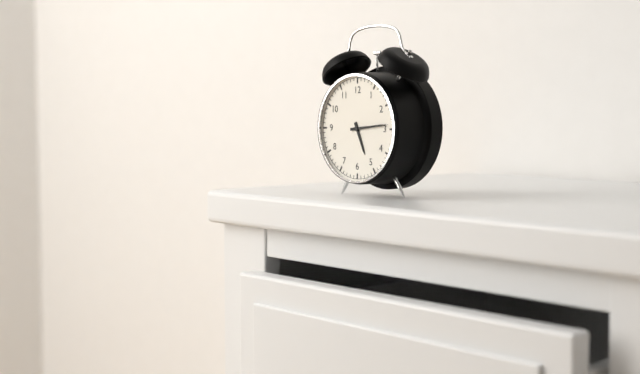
{"hour": 5, "minute": 14}
